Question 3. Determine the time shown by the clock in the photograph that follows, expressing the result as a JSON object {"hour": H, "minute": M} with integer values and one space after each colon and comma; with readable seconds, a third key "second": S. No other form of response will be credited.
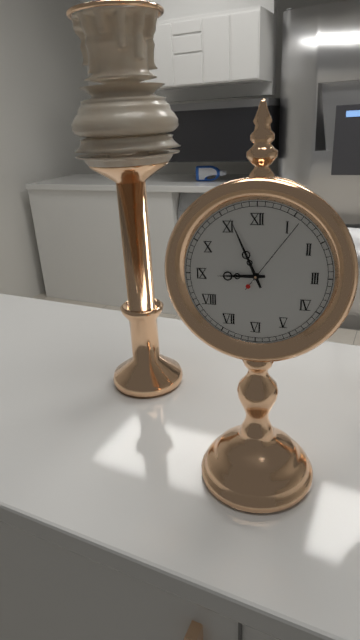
{"hour": 8, "minute": 56, "second": 6}
